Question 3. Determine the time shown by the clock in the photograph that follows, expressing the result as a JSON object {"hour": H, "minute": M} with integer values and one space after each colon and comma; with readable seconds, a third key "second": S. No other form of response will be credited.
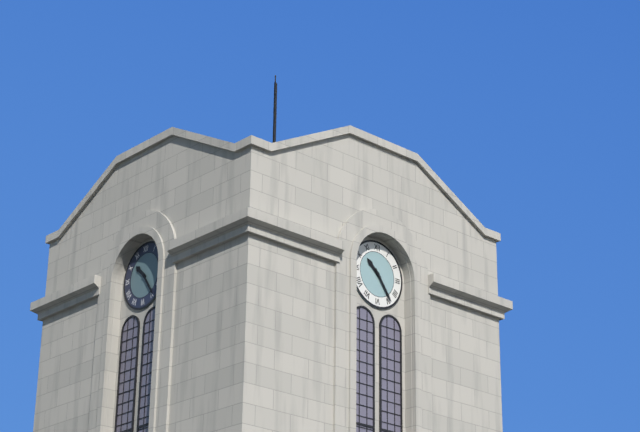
{"hour": 10, "minute": 24}
